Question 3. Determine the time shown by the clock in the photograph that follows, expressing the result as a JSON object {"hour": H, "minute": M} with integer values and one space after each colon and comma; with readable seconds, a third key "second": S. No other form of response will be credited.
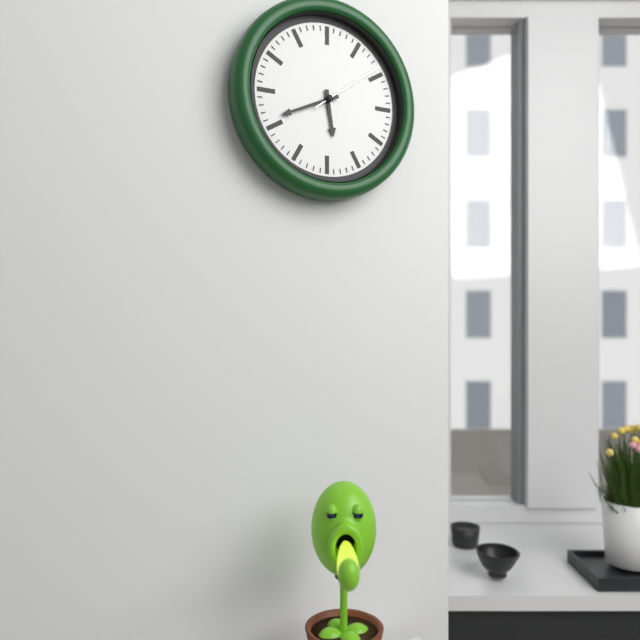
{"hour": 5, "minute": 41, "second": 9}
